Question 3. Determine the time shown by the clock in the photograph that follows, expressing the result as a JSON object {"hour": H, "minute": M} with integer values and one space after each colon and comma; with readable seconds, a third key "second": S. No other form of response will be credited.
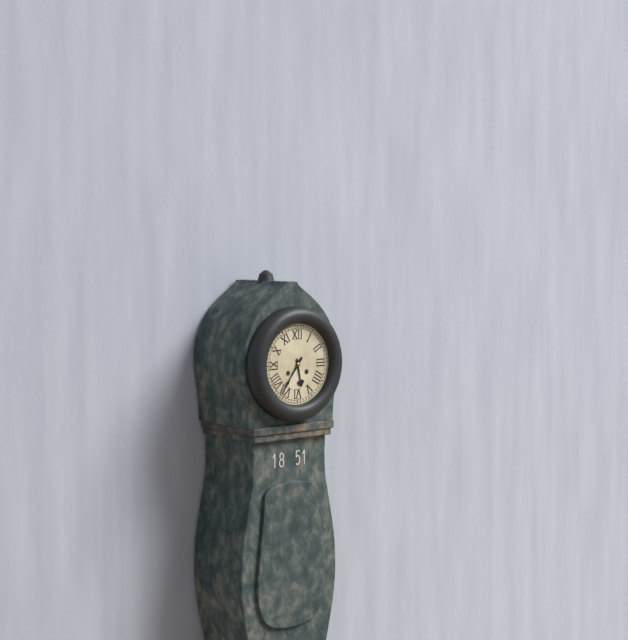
{"hour": 5, "minute": 36}
